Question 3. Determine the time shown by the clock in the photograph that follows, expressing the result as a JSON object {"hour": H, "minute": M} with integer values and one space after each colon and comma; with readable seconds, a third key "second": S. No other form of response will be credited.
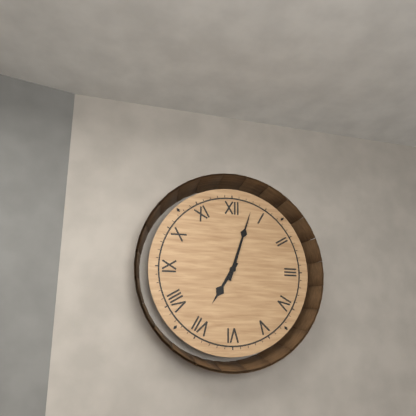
{"hour": 7, "minute": 3}
